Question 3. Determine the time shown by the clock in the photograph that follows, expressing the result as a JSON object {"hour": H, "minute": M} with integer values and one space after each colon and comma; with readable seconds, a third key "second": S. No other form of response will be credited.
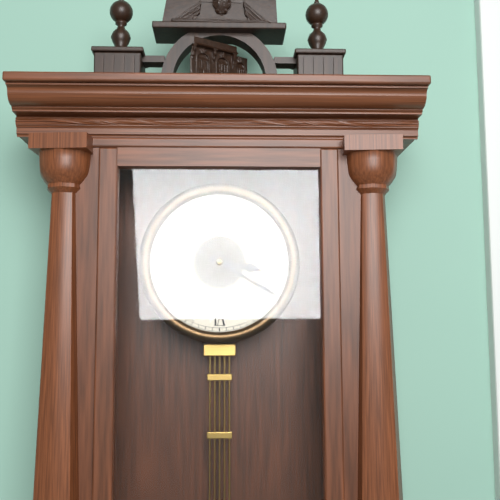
{"hour": 3, "minute": 20}
